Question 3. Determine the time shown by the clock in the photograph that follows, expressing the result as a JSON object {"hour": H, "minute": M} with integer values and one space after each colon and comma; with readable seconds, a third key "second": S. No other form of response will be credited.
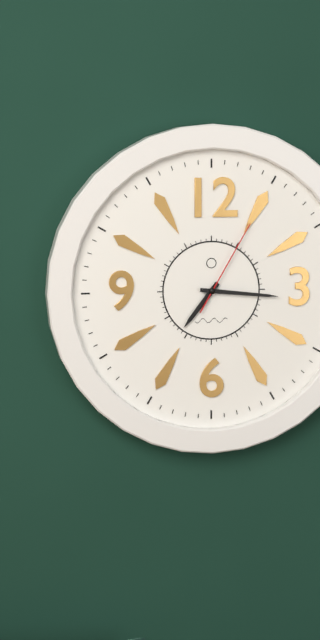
{"hour": 7, "minute": 16, "second": 5}
